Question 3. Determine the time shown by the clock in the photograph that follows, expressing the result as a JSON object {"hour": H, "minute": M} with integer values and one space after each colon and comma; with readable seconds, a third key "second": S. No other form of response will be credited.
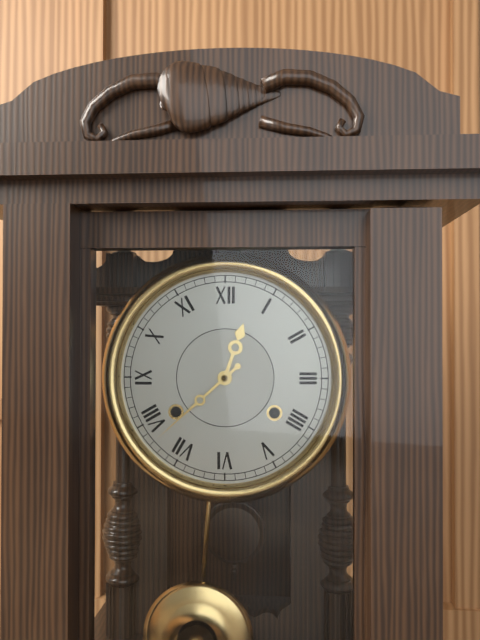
{"hour": 12, "minute": 38}
